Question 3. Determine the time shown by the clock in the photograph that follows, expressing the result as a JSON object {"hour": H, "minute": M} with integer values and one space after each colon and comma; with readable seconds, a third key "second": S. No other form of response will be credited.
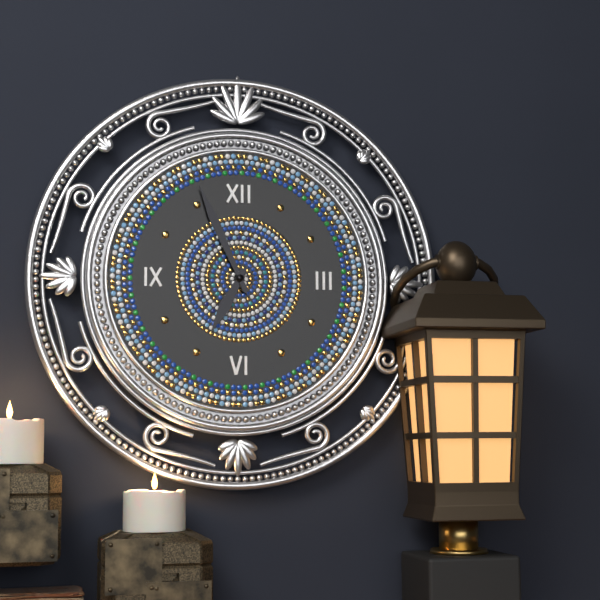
{"hour": 6, "minute": 56}
